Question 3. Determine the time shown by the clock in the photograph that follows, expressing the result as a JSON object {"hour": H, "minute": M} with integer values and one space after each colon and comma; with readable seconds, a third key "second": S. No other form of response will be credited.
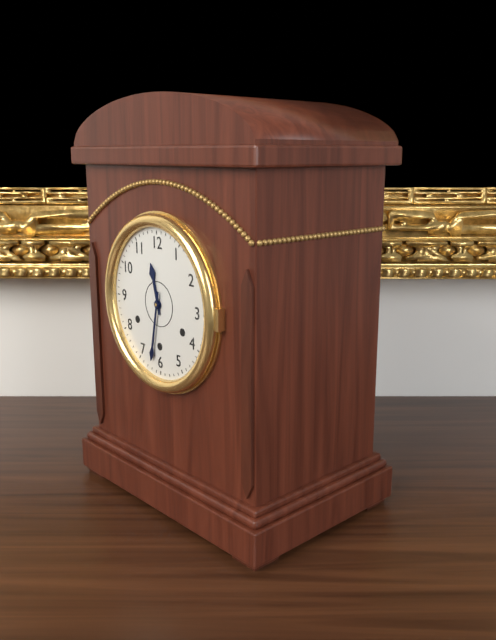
{"hour": 11, "minute": 32}
